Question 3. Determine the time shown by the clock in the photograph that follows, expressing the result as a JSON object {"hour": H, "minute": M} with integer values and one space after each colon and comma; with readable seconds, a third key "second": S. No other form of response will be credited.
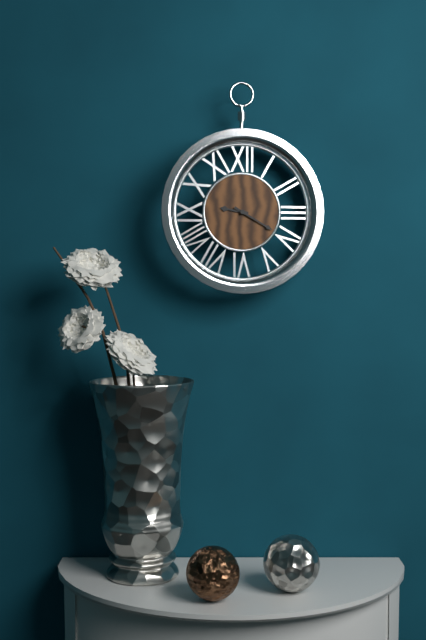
{"hour": 9, "minute": 20}
